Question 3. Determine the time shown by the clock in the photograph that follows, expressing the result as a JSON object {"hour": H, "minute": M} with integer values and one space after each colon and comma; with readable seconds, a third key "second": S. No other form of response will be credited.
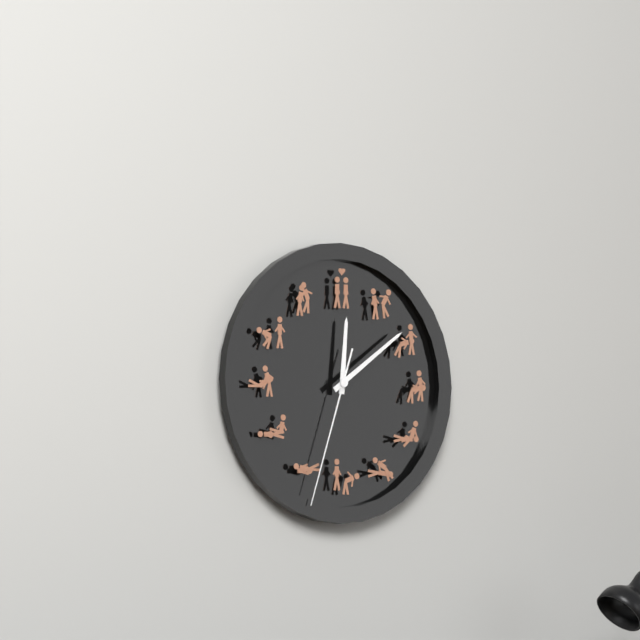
{"hour": 12, "minute": 9, "second": 33}
